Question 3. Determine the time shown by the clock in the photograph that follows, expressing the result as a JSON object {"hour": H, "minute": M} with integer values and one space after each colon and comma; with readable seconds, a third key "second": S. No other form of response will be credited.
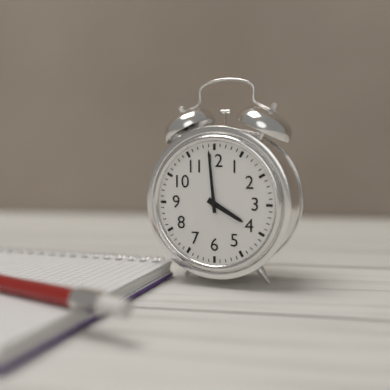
{"hour": 3, "minute": 59}
